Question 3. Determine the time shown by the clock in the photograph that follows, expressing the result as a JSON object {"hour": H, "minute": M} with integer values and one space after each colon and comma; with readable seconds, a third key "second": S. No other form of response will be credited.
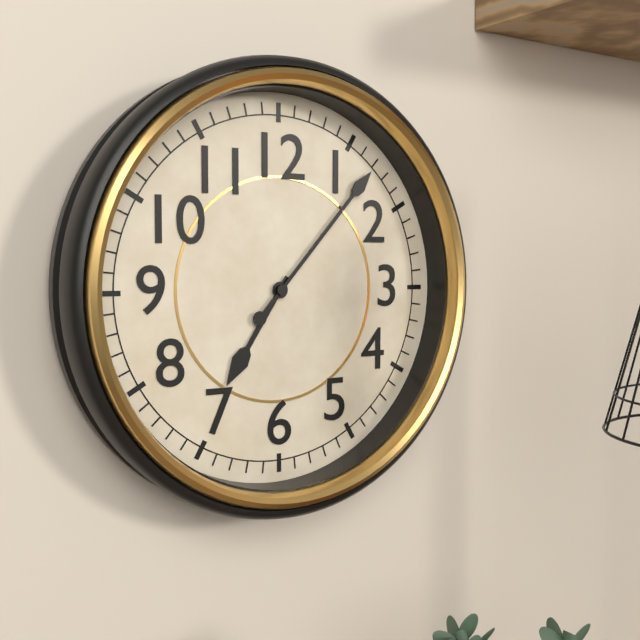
{"hour": 7, "minute": 7}
